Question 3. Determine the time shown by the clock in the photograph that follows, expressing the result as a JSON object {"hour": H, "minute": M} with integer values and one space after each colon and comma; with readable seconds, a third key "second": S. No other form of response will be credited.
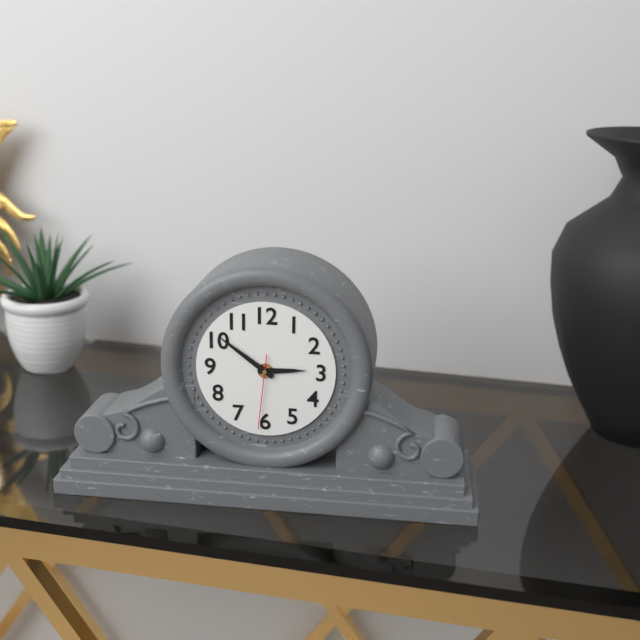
{"hour": 2, "minute": 51, "second": 31}
